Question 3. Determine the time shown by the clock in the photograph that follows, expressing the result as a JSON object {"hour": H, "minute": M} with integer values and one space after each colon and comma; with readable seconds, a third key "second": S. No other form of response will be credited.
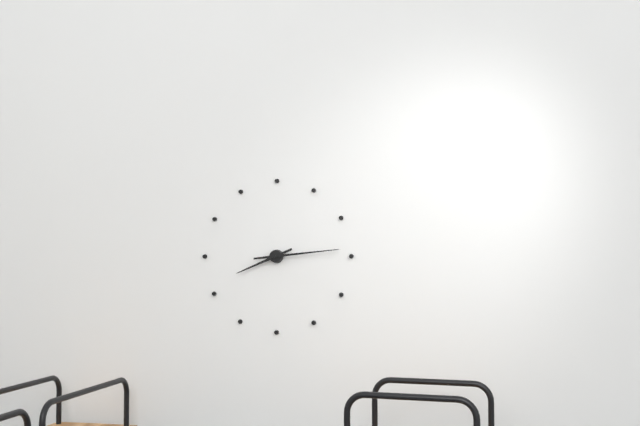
{"hour": 8, "minute": 14}
